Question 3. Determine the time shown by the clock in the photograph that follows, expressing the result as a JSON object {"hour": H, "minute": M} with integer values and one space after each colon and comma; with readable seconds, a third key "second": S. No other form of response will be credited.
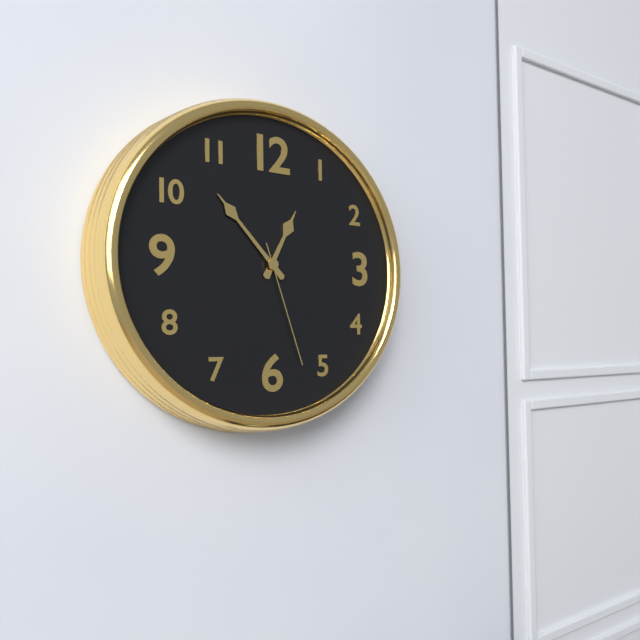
{"hour": 12, "minute": 53, "second": 27}
